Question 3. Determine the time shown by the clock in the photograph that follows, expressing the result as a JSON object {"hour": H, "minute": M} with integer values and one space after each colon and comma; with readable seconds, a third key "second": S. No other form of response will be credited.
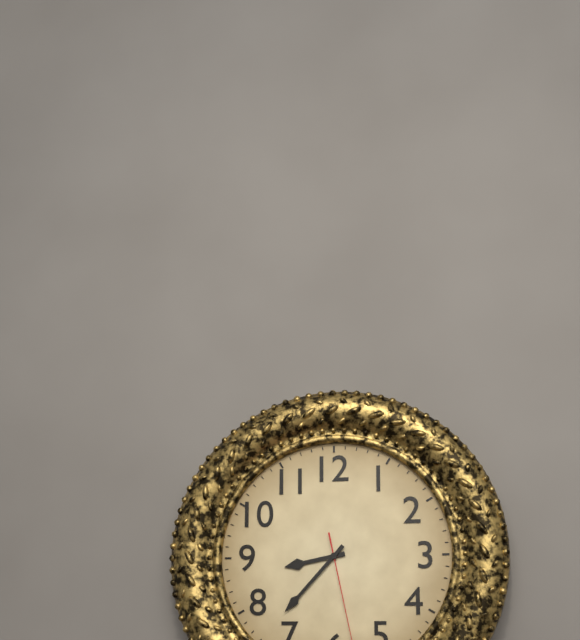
{"hour": 8, "minute": 37}
